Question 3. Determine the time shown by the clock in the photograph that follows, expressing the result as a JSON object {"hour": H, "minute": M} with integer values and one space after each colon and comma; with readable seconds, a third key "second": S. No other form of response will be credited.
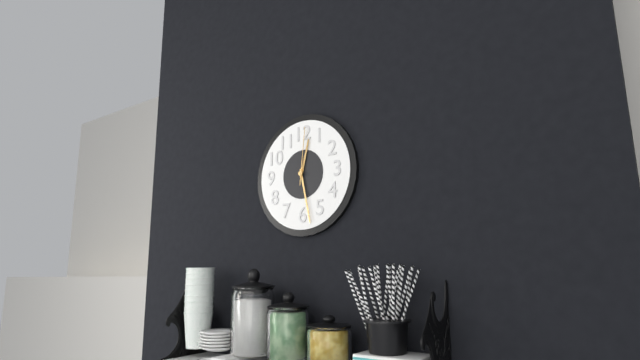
{"hour": 12, "minute": 28, "second": 1}
